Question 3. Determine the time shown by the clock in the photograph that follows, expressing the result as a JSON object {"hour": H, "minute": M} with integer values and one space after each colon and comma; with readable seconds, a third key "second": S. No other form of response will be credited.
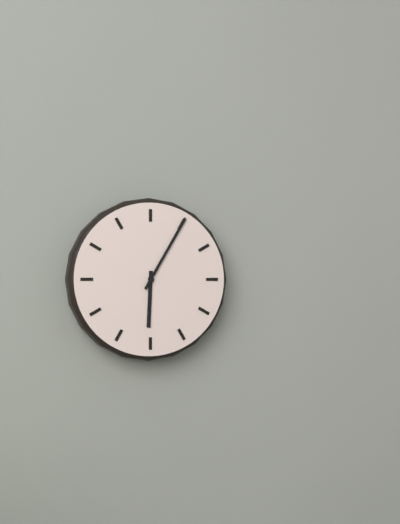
{"hour": 6, "minute": 5}
